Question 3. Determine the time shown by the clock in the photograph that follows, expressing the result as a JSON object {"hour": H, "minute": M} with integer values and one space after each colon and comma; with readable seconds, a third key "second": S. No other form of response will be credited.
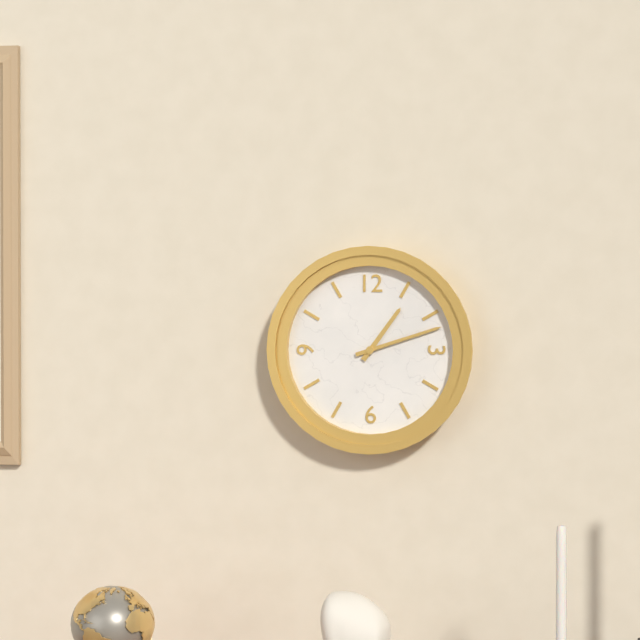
{"hour": 1, "minute": 12}
